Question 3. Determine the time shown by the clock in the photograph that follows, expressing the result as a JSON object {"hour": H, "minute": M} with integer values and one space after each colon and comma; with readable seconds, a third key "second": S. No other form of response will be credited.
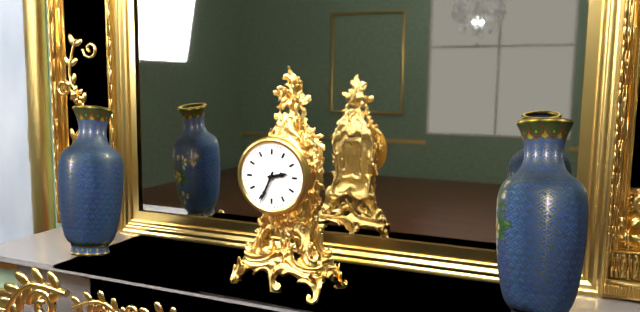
{"hour": 2, "minute": 34}
